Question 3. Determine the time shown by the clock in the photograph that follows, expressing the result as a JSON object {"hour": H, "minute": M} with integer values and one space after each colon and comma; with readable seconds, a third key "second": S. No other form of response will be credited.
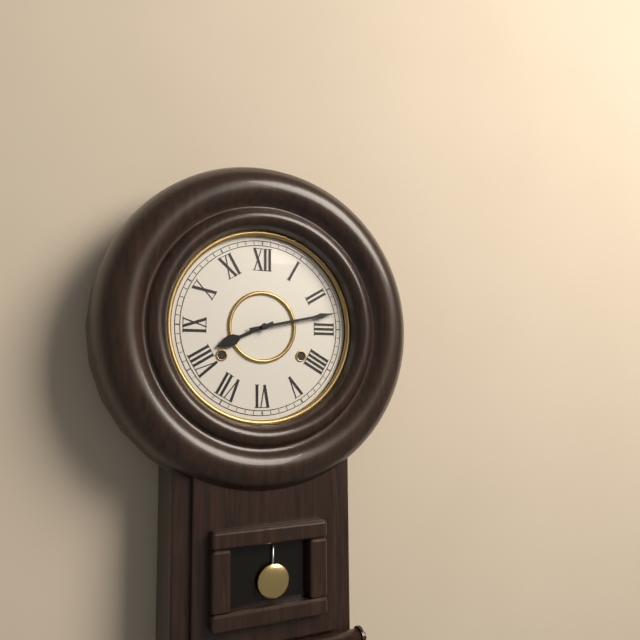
{"hour": 8, "minute": 13}
